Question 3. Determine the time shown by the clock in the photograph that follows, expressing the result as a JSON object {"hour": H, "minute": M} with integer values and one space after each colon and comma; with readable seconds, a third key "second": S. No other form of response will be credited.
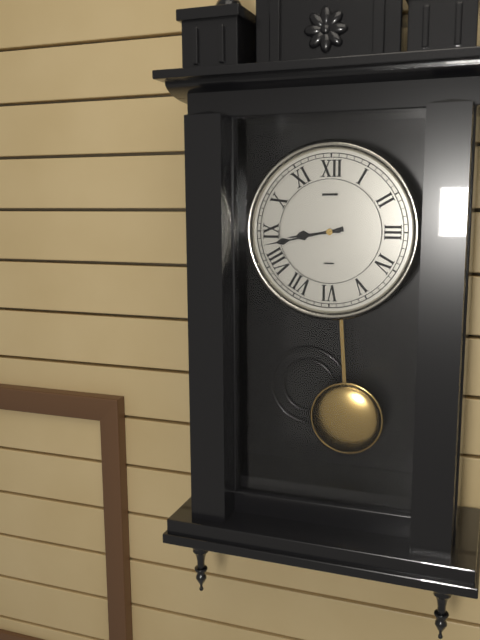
{"hour": 8, "minute": 43}
